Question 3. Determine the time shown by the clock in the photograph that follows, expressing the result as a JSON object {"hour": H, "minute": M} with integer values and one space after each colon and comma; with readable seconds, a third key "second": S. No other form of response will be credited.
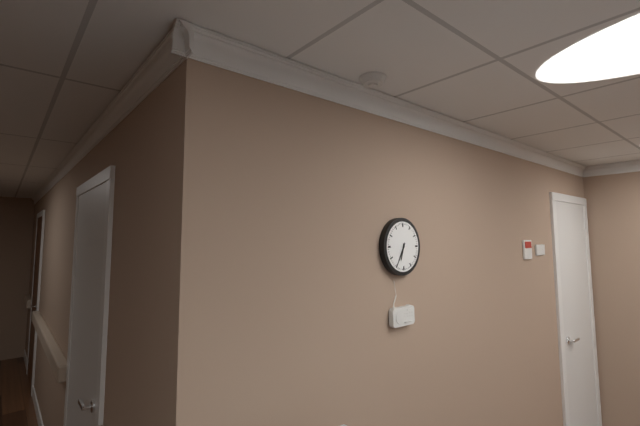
{"hour": 6, "minute": 35}
